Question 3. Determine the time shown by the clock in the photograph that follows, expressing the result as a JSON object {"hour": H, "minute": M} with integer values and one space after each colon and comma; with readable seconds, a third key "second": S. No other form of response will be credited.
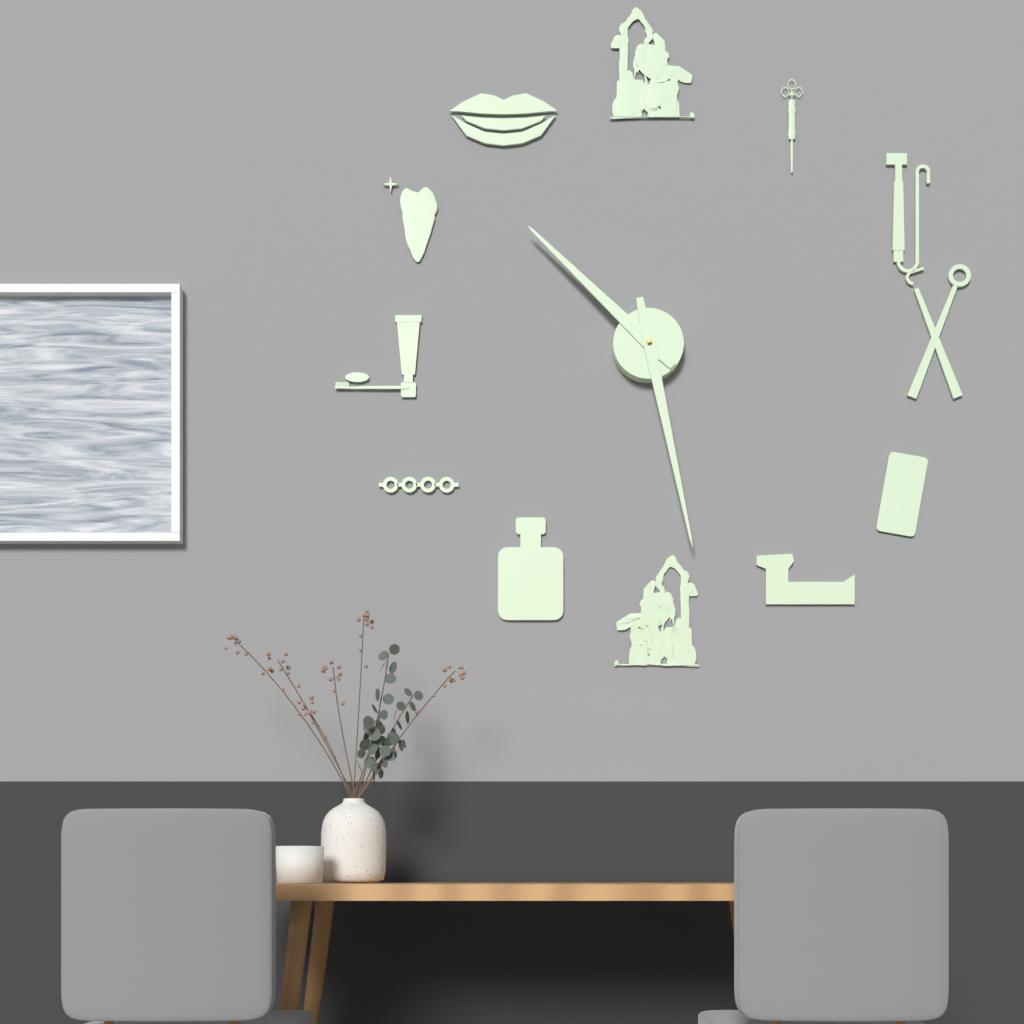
{"hour": 10, "minute": 28}
